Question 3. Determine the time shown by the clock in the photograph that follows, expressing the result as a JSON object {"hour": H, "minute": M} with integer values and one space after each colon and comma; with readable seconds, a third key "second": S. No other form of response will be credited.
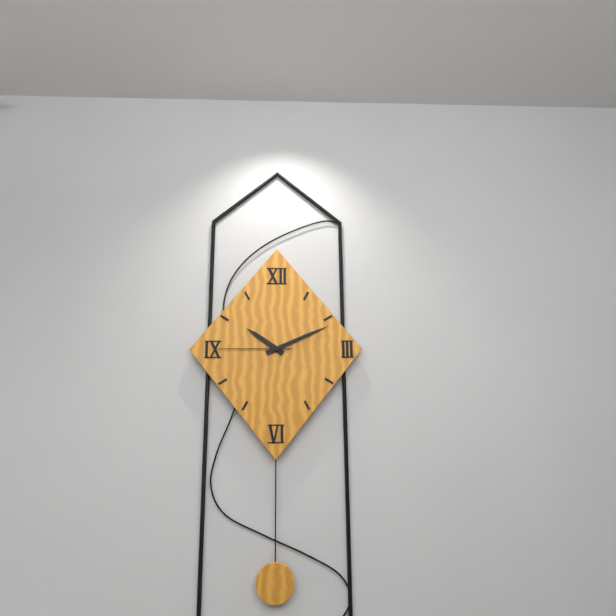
{"hour": 10, "minute": 11, "second": 45}
